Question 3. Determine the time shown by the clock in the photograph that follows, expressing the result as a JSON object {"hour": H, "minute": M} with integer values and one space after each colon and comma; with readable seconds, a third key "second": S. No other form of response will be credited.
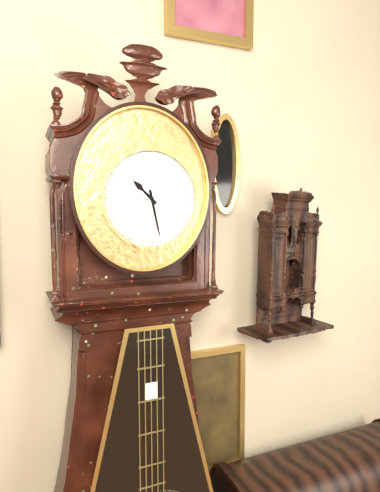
{"hour": 10, "minute": 28}
